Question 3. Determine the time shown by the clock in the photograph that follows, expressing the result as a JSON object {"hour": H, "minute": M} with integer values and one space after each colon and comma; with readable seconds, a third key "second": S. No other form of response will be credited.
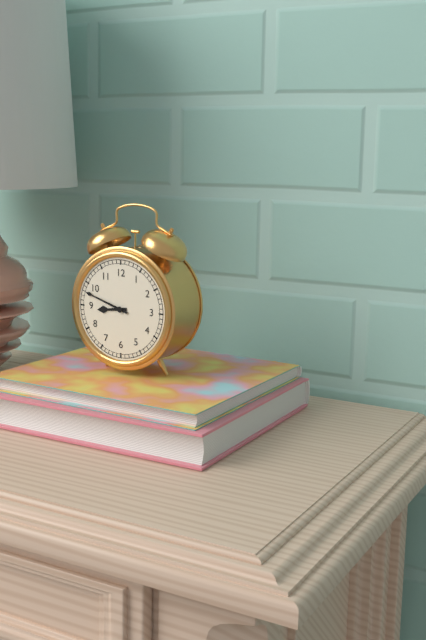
{"hour": 8, "minute": 48}
